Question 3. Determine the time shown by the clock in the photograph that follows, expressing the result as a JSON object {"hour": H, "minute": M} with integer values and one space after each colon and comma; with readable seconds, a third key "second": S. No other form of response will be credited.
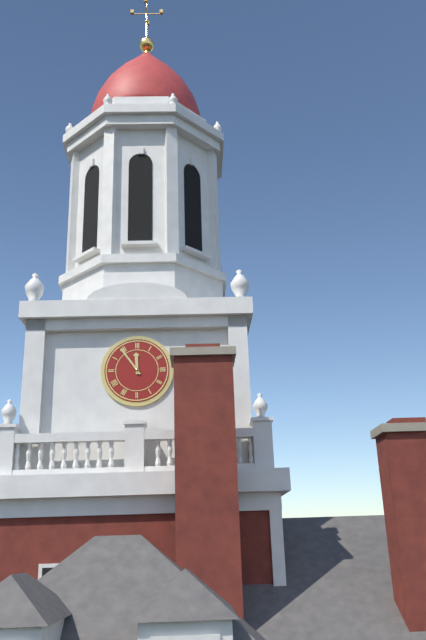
{"hour": 11, "minute": 54}
